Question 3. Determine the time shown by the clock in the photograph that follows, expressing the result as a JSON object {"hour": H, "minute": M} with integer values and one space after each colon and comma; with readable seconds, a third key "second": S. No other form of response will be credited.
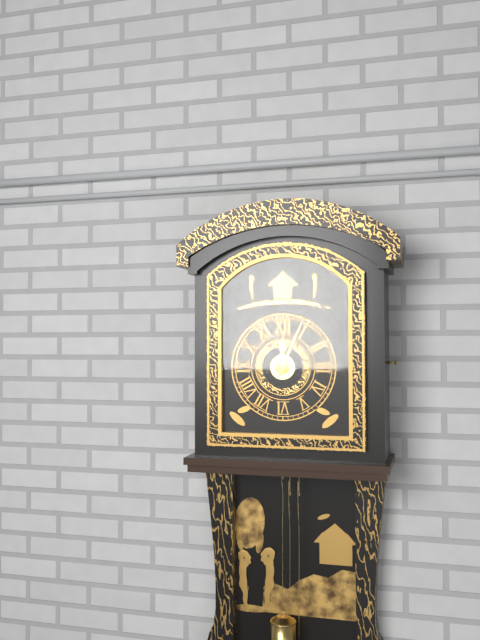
{"hour": 12, "minute": 4}
